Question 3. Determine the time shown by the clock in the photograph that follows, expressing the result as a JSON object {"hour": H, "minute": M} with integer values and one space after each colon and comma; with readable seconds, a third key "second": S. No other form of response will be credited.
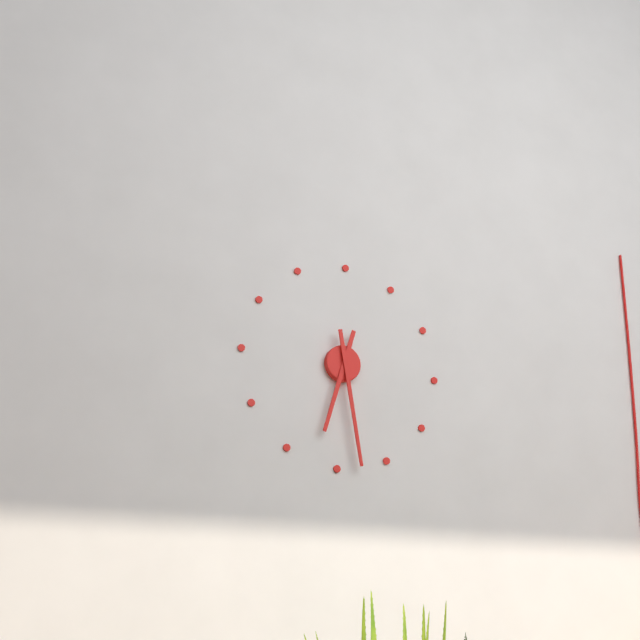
{"hour": 6, "minute": 28}
